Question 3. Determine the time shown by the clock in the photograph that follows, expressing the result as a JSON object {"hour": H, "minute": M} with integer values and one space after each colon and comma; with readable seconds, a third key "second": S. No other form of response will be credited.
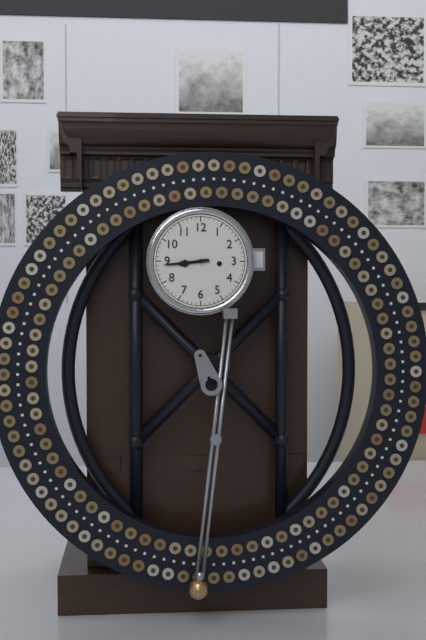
{"hour": 8, "minute": 44}
